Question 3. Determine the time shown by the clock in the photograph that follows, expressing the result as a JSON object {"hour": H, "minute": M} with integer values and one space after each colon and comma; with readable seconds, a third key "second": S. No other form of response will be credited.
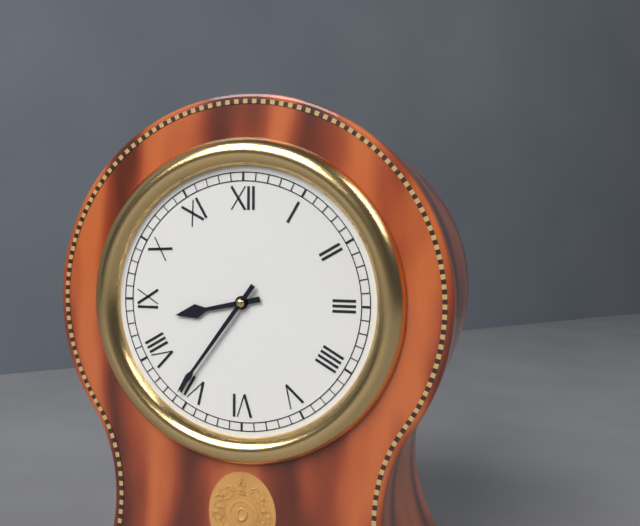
{"hour": 8, "minute": 36}
